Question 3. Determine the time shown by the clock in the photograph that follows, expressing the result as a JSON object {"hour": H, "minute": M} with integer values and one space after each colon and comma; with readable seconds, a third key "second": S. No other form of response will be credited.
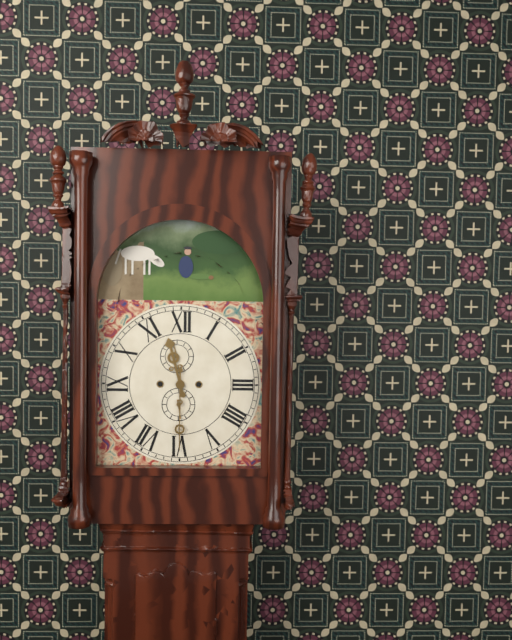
{"hour": 11, "minute": 30}
